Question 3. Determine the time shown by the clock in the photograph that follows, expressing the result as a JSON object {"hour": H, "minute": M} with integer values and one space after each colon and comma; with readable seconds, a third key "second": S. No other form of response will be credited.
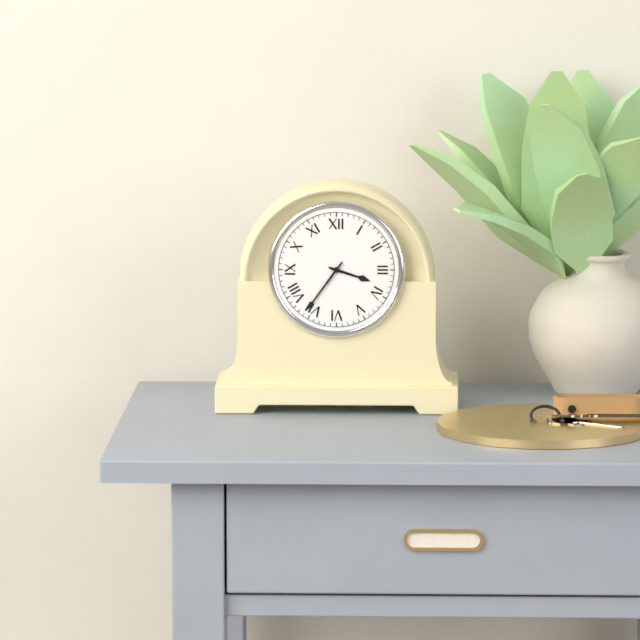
{"hour": 3, "minute": 36}
